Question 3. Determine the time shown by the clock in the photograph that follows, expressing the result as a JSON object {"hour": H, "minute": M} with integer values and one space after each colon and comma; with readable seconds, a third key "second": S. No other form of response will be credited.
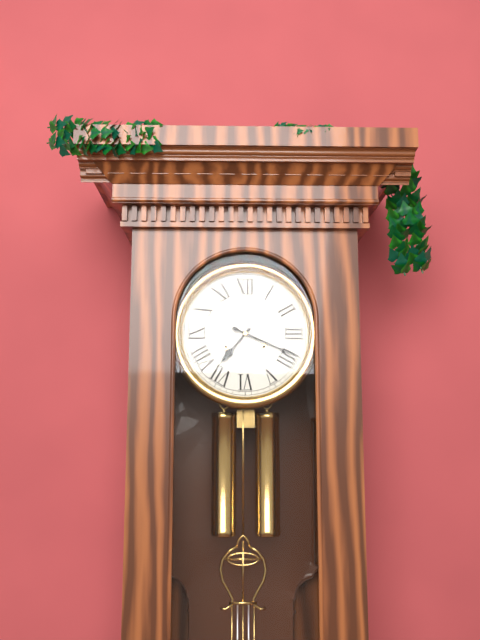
{"hour": 7, "minute": 19}
